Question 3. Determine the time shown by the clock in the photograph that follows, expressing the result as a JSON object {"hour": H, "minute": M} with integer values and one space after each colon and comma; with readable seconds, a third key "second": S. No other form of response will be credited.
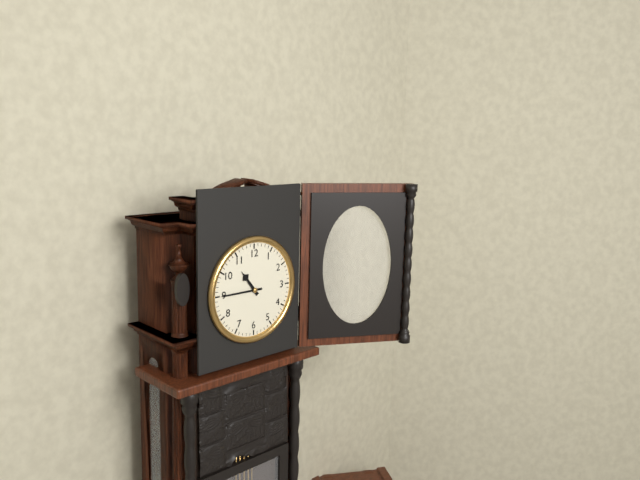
{"hour": 10, "minute": 45}
